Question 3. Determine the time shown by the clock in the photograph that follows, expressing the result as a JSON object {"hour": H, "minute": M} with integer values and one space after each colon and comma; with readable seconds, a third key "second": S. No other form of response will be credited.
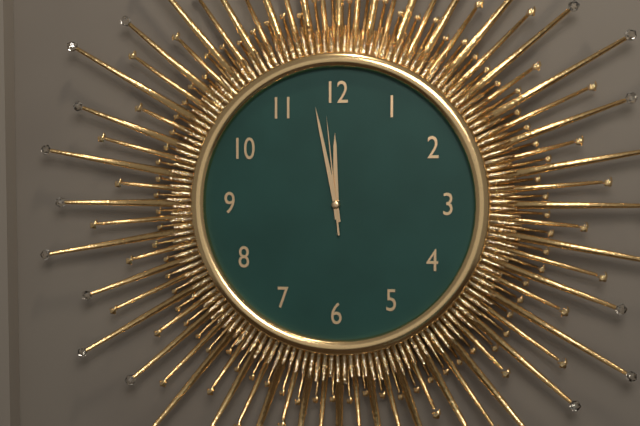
{"hour": 11, "minute": 58, "second": 59}
